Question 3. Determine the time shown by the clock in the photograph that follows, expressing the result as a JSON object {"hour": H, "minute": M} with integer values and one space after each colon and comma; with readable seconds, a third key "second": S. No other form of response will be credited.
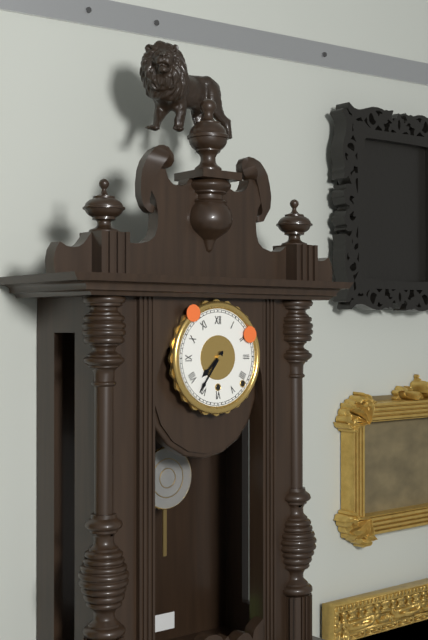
{"hour": 7, "minute": 36}
